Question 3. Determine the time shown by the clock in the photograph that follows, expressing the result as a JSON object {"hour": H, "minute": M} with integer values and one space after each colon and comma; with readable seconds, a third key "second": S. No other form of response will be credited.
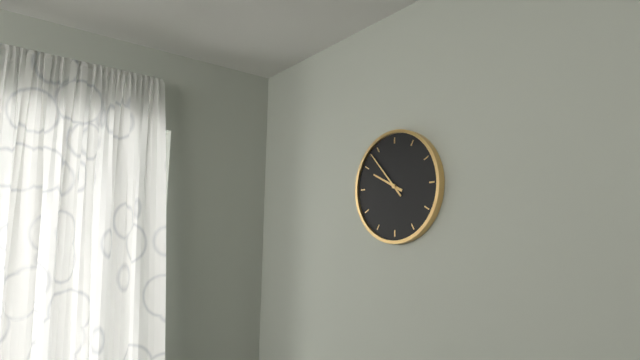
{"hour": 9, "minute": 53}
